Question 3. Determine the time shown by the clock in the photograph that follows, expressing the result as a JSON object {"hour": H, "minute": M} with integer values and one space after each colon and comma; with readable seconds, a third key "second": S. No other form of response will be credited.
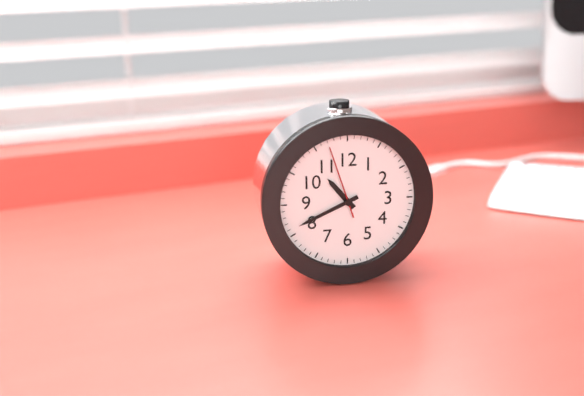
{"hour": 10, "minute": 41, "second": 57}
